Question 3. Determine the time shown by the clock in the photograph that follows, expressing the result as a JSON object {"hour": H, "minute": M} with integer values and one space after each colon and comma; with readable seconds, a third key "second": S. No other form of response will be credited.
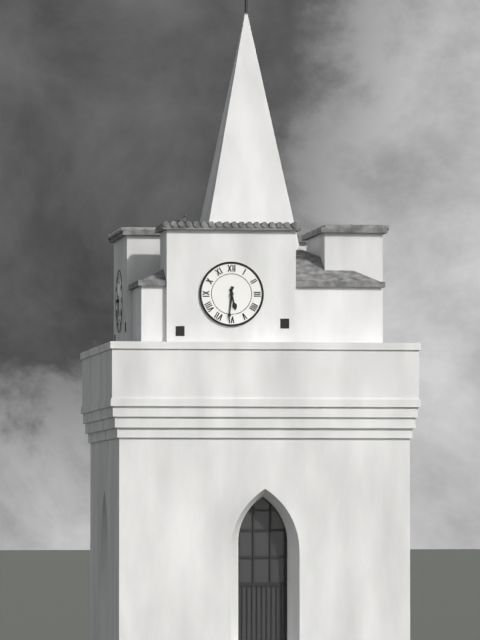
{"hour": 5, "minute": 31}
